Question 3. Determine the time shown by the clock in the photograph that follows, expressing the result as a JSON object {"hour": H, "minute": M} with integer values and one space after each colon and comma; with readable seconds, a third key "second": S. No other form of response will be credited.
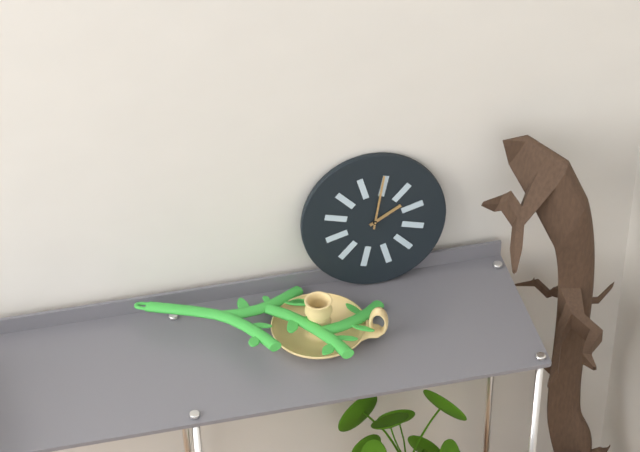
{"hour": 2, "minute": 2}
